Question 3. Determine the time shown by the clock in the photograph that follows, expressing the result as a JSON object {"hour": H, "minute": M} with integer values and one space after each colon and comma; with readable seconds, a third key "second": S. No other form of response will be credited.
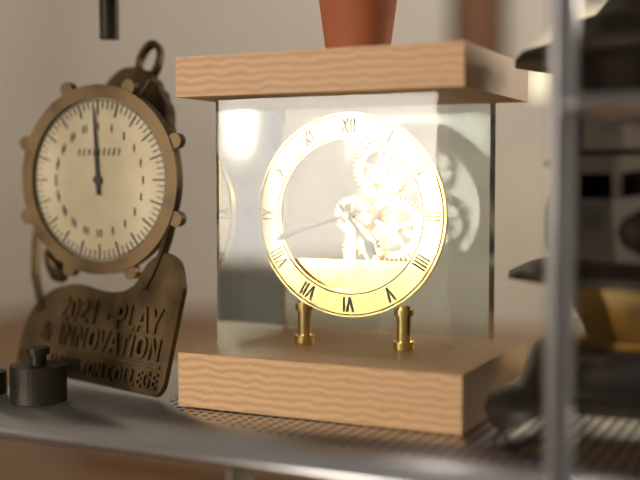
{"hour": 4, "minute": 42}
